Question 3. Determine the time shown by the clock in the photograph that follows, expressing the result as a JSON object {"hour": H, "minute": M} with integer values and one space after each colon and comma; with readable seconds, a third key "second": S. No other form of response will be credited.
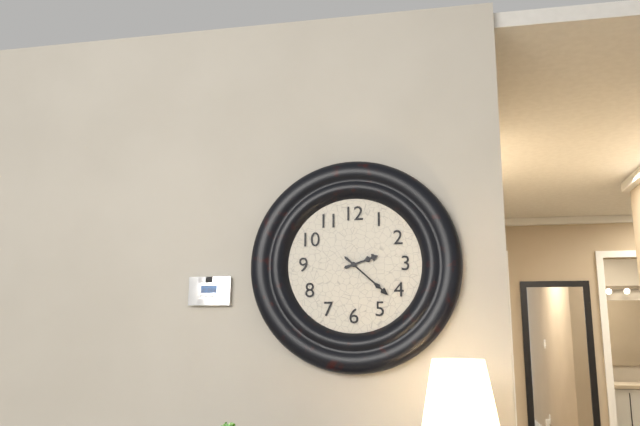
{"hour": 2, "minute": 22}
